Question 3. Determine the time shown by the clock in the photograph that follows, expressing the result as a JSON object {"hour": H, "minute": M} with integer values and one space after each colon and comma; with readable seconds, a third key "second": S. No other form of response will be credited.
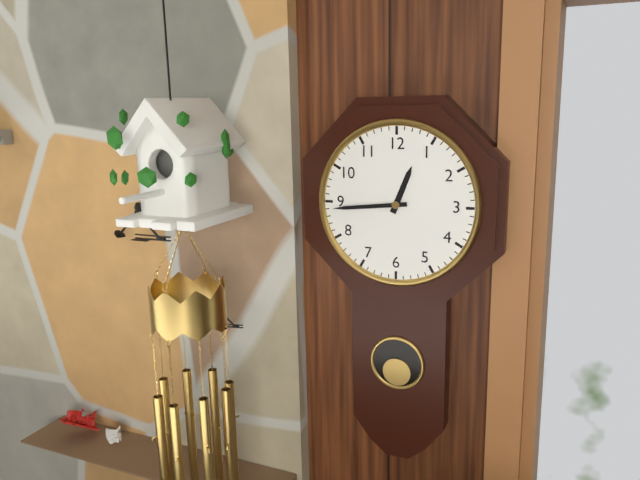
{"hour": 12, "minute": 44}
